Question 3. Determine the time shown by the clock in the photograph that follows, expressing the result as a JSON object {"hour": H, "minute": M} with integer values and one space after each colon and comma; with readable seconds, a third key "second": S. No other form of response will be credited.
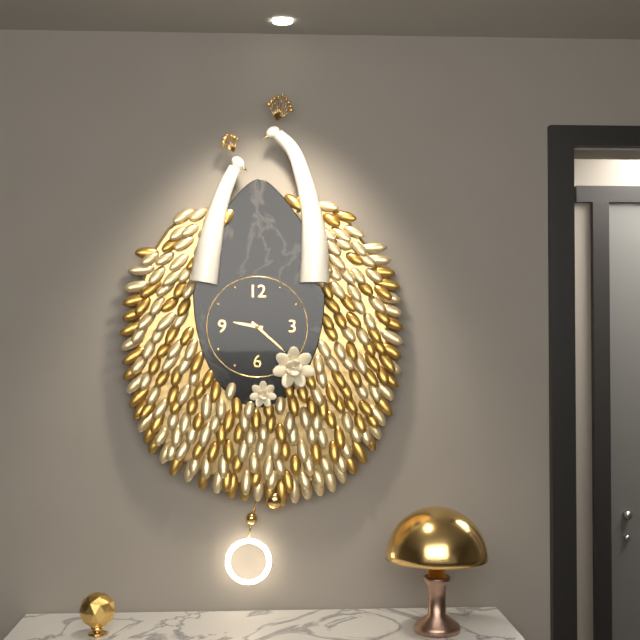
{"hour": 9, "minute": 22}
